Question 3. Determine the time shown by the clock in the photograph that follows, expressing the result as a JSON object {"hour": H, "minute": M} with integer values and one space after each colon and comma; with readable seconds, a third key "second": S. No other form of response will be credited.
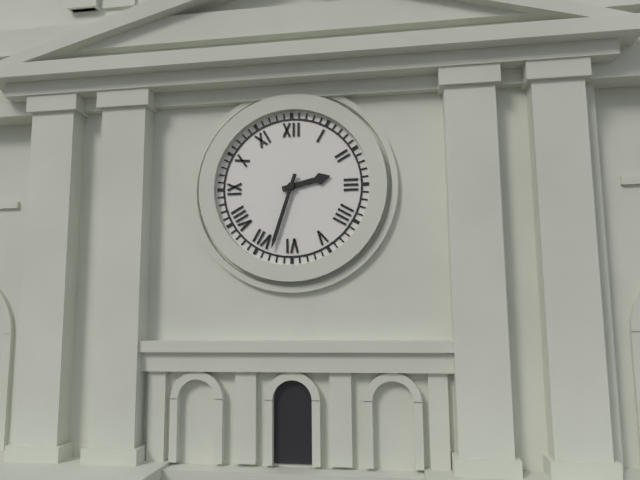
{"hour": 2, "minute": 33}
